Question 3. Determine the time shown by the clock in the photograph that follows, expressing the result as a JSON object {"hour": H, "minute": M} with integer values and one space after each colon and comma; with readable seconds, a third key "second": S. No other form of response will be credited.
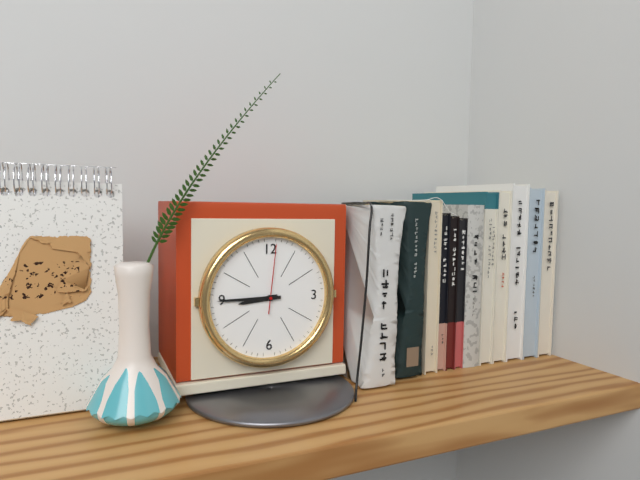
{"hour": 8, "minute": 45, "second": 1}
